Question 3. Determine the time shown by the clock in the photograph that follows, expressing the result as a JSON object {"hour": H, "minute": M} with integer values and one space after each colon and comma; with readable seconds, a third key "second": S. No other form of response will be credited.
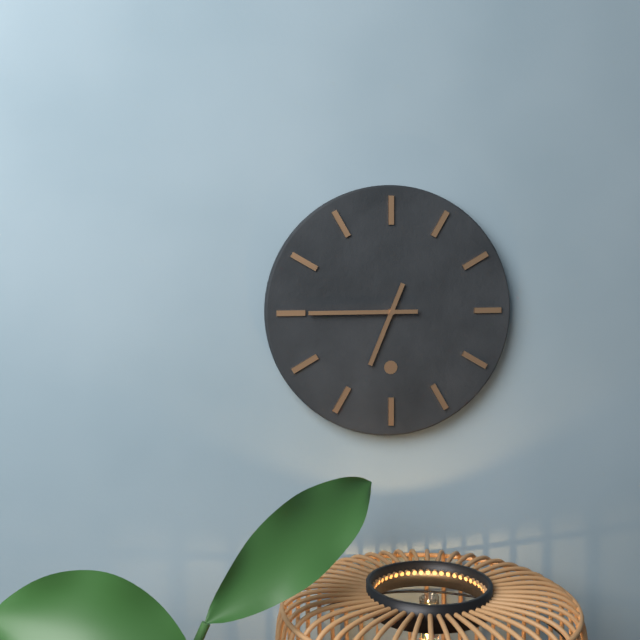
{"hour": 6, "minute": 45}
